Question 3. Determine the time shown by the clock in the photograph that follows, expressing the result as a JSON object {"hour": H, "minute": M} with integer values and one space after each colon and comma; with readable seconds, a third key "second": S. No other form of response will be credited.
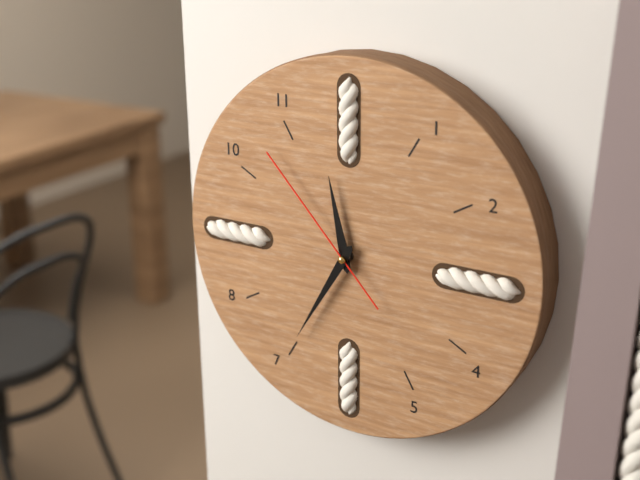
{"hour": 11, "minute": 35, "second": 53}
